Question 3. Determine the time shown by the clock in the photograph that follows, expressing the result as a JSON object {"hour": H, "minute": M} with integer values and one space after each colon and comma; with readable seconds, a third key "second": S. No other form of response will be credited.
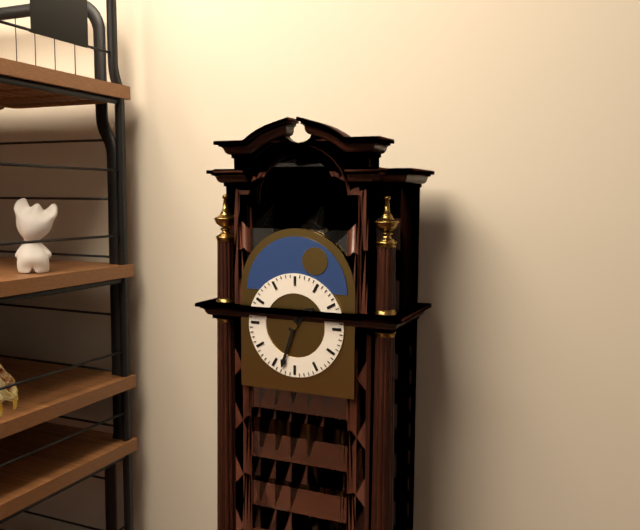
{"hour": 1, "minute": 33}
